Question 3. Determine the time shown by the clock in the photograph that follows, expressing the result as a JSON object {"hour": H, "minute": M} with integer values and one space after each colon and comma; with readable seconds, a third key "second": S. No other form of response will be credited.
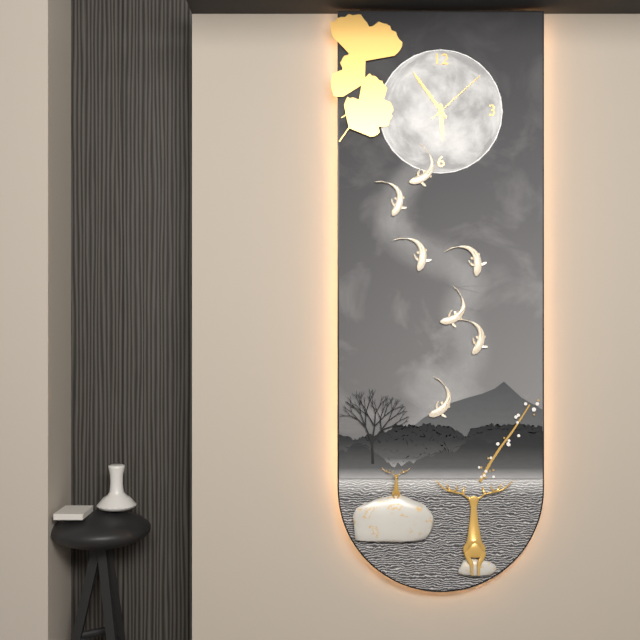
{"hour": 5, "minute": 54, "second": 8}
